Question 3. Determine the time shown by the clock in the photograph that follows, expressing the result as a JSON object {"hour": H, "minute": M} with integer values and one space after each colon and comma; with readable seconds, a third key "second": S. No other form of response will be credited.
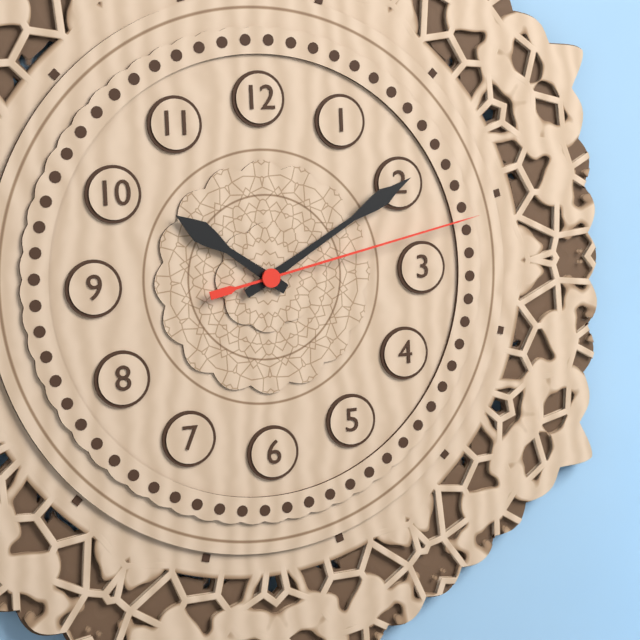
{"hour": 10, "minute": 10, "second": 13}
